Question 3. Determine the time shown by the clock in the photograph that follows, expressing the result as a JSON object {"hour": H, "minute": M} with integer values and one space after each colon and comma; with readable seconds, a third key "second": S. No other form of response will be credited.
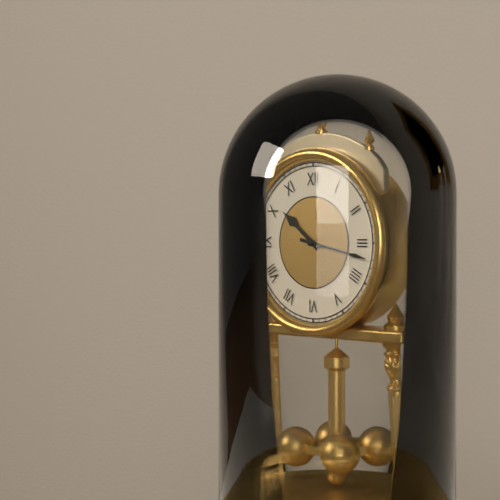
{"hour": 10, "minute": 17}
